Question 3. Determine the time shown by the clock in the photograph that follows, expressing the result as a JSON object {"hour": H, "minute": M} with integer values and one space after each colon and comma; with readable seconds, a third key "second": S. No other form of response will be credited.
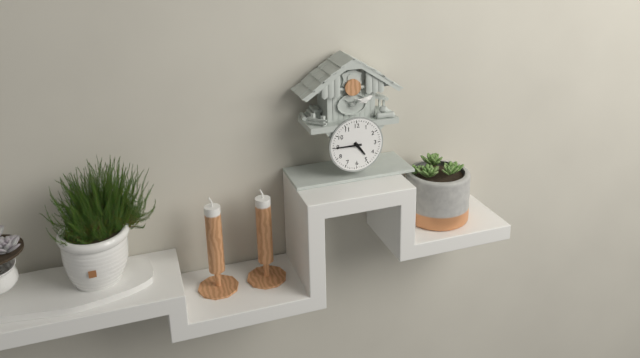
{"hour": 4, "minute": 45}
